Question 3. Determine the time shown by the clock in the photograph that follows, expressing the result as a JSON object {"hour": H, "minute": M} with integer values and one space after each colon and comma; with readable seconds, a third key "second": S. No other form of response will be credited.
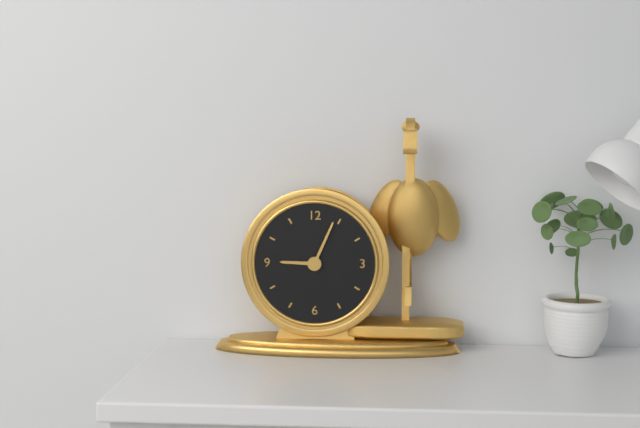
{"hour": 9, "minute": 4}
